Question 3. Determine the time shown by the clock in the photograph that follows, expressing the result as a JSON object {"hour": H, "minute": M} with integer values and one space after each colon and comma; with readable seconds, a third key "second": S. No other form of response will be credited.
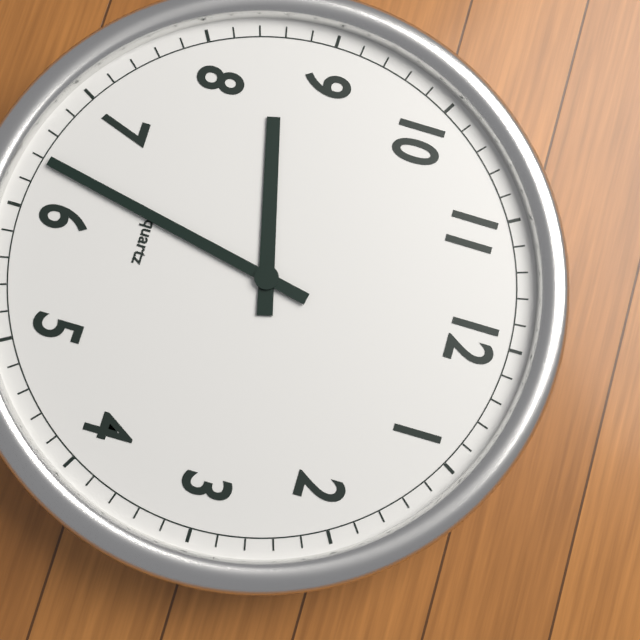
{"hour": 8, "minute": 32}
